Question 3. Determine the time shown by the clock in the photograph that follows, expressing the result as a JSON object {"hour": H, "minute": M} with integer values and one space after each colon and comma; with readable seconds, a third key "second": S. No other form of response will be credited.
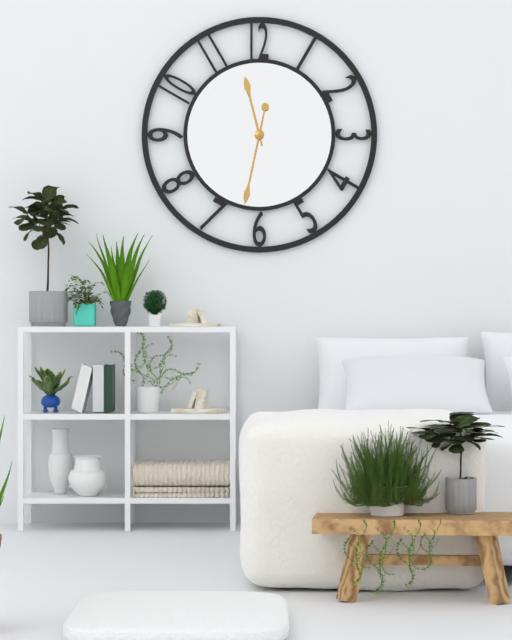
{"hour": 11, "minute": 32}
